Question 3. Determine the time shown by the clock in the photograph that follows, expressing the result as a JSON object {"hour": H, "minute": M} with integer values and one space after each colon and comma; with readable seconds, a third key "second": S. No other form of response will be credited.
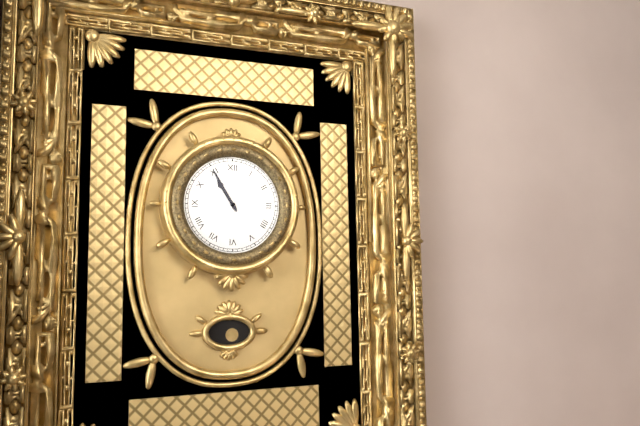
{"hour": 10, "minute": 55}
